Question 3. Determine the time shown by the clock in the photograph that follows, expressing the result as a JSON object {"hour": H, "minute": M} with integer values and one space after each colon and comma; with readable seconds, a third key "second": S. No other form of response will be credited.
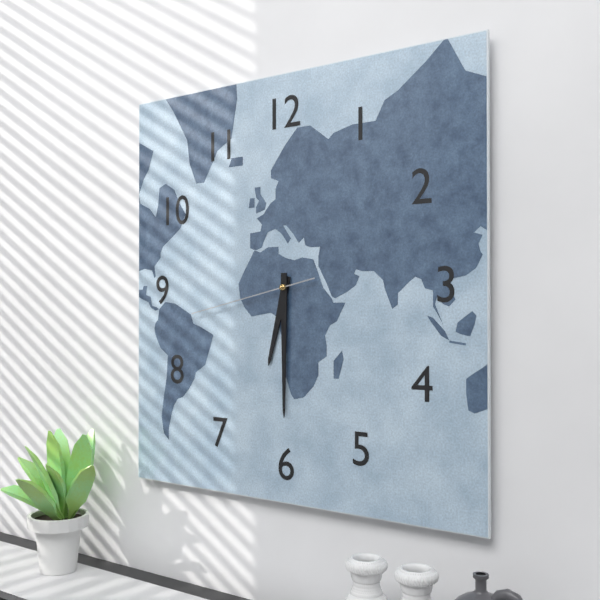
{"hour": 6, "minute": 30, "second": 43}
